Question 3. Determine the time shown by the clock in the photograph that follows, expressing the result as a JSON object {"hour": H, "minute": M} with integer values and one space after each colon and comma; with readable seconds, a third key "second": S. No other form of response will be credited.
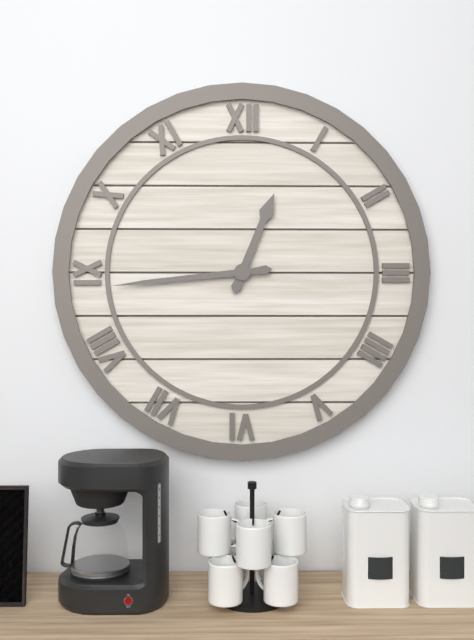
{"hour": 12, "minute": 44}
